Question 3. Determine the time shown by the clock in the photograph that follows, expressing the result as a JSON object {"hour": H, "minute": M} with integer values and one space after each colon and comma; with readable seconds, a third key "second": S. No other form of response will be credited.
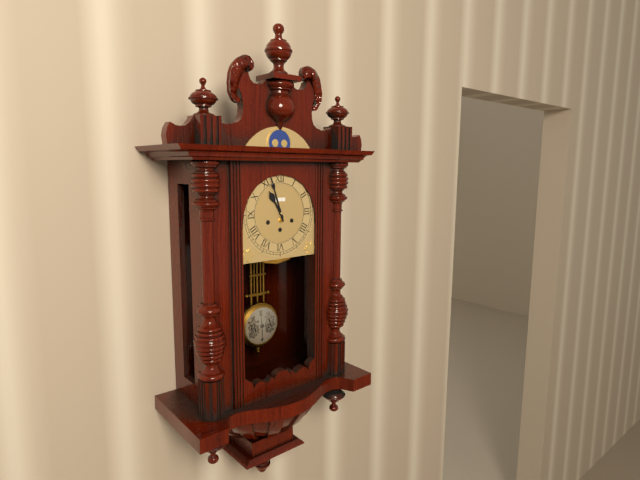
{"hour": 10, "minute": 57}
